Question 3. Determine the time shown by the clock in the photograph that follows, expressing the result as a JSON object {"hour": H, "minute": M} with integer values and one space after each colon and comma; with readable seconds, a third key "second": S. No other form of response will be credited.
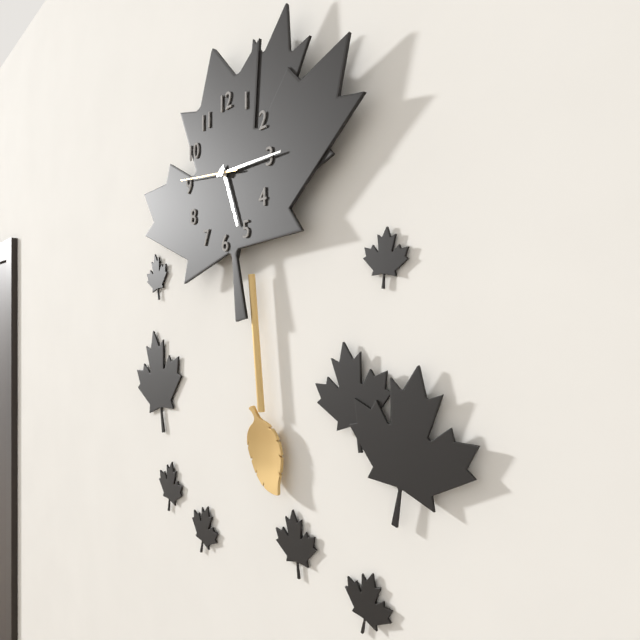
{"hour": 5, "minute": 15, "second": 46}
